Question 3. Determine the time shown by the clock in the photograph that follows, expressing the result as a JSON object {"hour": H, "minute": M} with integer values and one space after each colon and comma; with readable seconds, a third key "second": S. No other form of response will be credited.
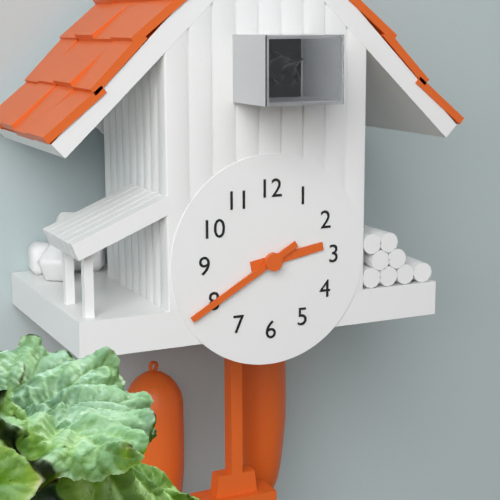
{"hour": 2, "minute": 40}
